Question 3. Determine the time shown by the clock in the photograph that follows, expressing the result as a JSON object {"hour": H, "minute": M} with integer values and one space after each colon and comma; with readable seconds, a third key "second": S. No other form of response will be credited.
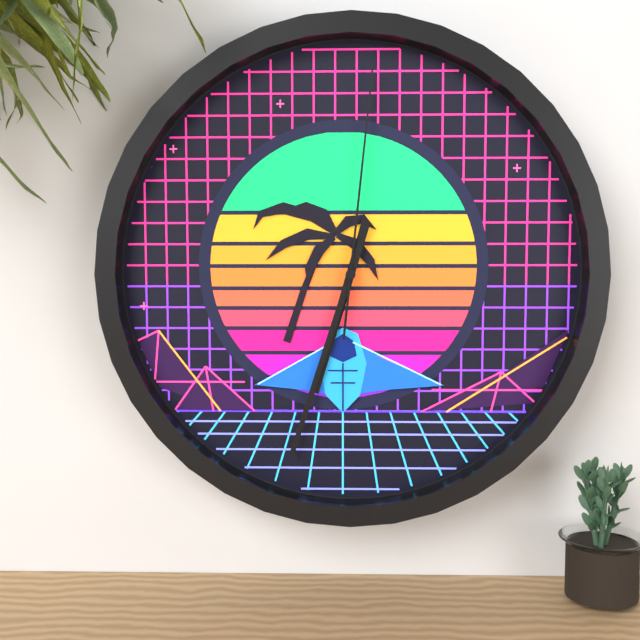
{"hour": 6, "minute": 33, "second": 1}
